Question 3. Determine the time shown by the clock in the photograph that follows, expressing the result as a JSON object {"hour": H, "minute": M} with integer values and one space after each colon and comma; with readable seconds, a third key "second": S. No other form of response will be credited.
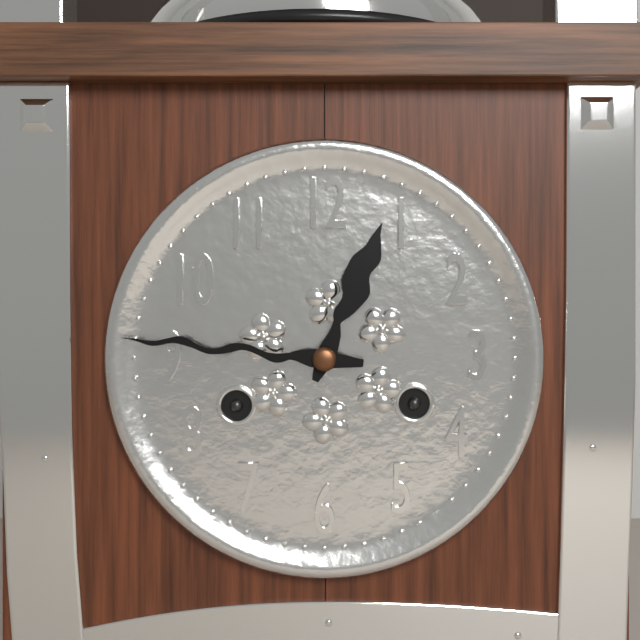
{"hour": 12, "minute": 46}
